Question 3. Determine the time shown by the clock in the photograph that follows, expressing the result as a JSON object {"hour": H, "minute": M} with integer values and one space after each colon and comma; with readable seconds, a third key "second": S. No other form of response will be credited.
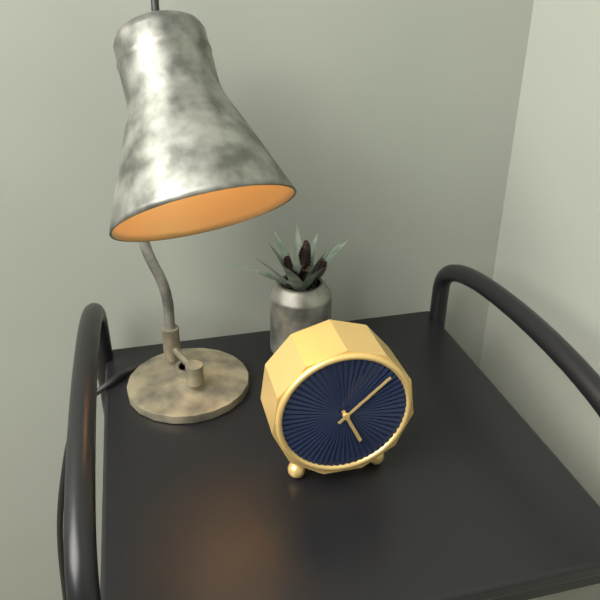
{"hour": 5, "minute": 8}
